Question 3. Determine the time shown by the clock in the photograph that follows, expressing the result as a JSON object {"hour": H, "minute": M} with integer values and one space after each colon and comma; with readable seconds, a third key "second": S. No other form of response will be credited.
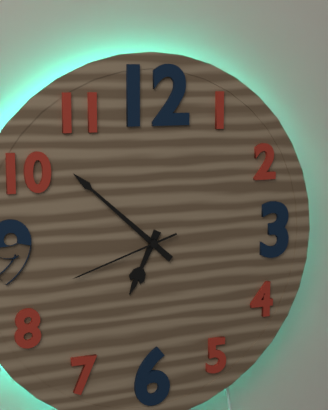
{"hour": 6, "minute": 52, "second": 42}
